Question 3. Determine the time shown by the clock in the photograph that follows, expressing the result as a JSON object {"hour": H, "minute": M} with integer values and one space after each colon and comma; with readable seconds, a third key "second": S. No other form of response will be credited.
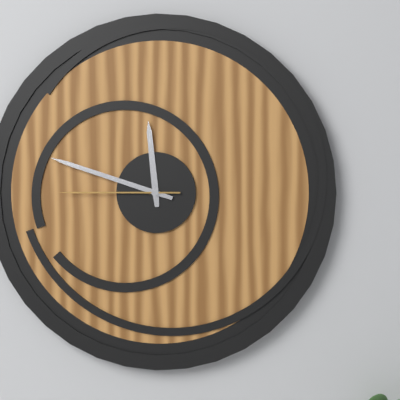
{"hour": 11, "minute": 48, "second": 45}
